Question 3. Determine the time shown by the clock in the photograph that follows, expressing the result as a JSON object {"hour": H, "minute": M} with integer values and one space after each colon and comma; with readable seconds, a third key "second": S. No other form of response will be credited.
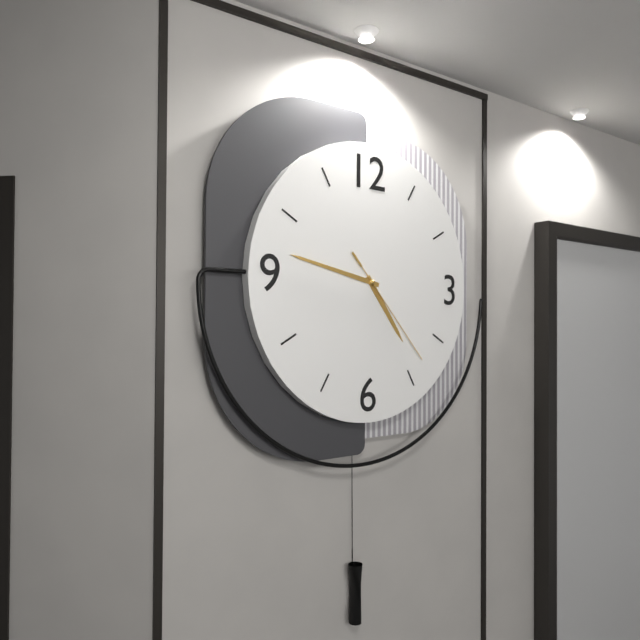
{"hour": 4, "minute": 47, "second": 23}
